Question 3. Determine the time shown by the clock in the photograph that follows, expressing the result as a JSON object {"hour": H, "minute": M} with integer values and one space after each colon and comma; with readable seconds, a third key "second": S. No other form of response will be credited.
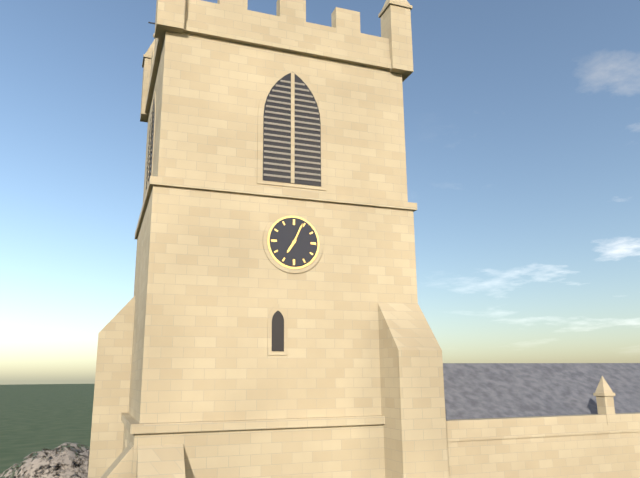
{"hour": 7, "minute": 4}
